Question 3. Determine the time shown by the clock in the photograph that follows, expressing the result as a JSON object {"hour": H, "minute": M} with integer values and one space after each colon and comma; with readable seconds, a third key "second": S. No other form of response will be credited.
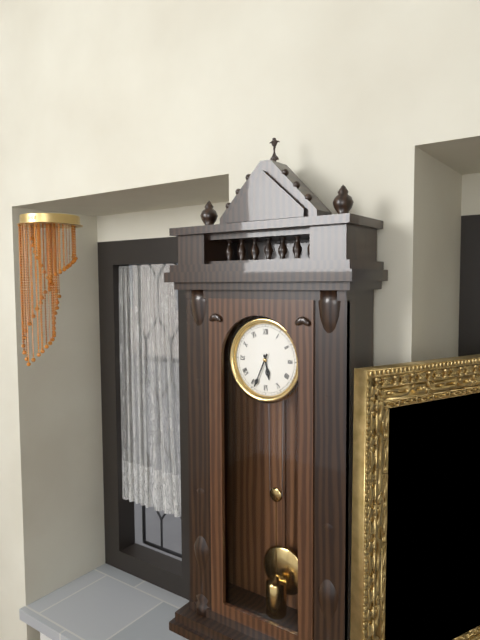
{"hour": 5, "minute": 34}
